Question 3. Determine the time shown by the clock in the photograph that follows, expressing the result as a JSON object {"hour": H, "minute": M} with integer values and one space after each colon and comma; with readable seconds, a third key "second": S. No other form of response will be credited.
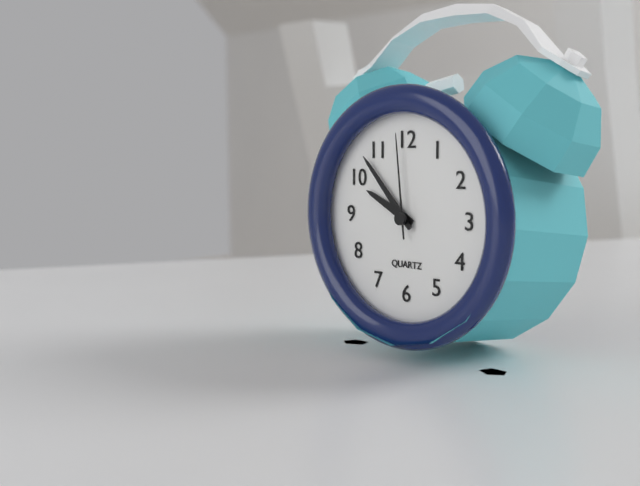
{"hour": 9, "minute": 53, "second": 59}
